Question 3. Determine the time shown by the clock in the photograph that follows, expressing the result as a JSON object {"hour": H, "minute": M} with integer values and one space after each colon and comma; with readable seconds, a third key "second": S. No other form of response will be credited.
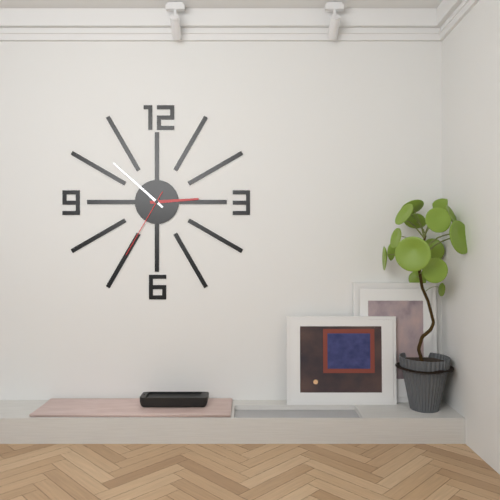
{"hour": 2, "minute": 52, "second": 35}
